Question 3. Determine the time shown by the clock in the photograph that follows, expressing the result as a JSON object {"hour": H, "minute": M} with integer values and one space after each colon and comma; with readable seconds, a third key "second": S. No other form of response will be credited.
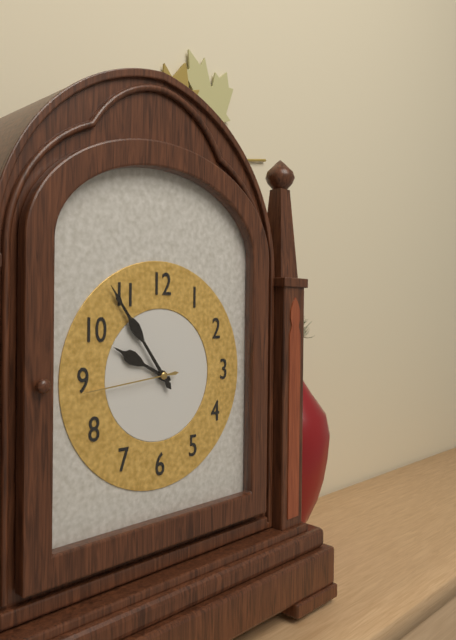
{"hour": 9, "minute": 54, "second": 44}
